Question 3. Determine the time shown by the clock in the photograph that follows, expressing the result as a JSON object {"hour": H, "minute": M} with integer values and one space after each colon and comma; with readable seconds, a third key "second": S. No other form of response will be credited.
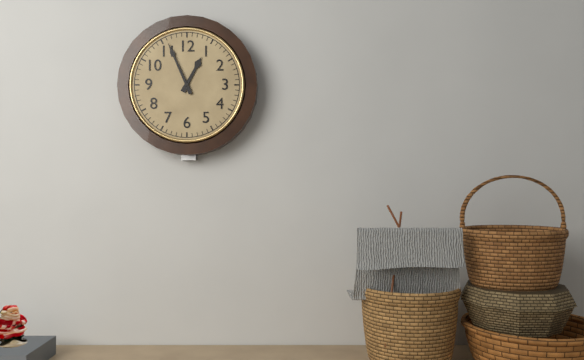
{"hour": 12, "minute": 56}
